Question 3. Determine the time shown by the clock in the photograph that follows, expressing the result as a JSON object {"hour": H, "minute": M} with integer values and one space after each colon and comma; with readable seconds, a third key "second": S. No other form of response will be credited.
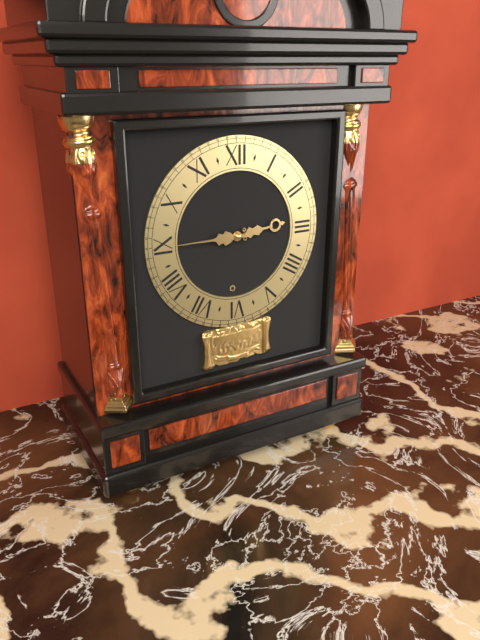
{"hour": 2, "minute": 45}
